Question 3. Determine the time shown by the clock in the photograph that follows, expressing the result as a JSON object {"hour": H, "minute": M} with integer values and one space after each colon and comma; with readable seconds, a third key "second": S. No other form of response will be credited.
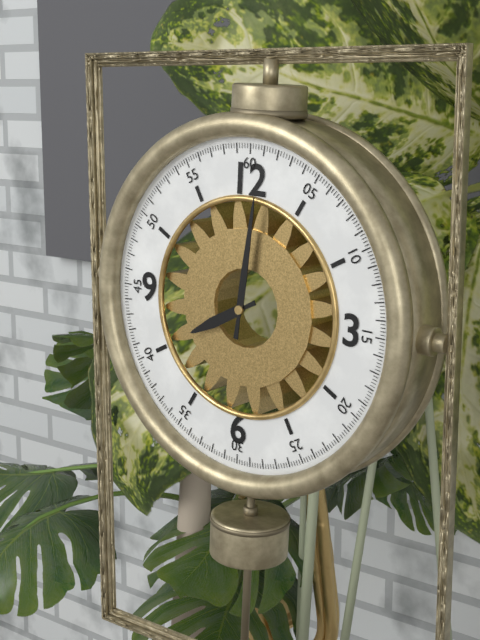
{"hour": 8, "minute": 1}
